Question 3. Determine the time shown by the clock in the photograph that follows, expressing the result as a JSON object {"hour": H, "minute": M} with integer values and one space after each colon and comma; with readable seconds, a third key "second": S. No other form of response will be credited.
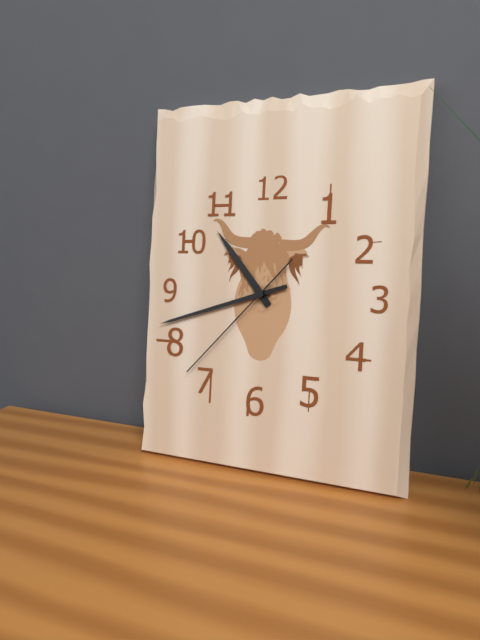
{"hour": 10, "minute": 42, "second": 37}
